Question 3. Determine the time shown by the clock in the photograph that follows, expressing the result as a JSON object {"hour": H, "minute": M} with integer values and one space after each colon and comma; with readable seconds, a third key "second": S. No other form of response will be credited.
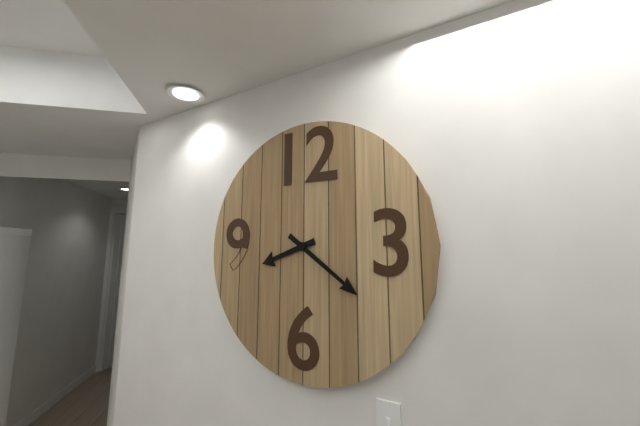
{"hour": 8, "minute": 21}
